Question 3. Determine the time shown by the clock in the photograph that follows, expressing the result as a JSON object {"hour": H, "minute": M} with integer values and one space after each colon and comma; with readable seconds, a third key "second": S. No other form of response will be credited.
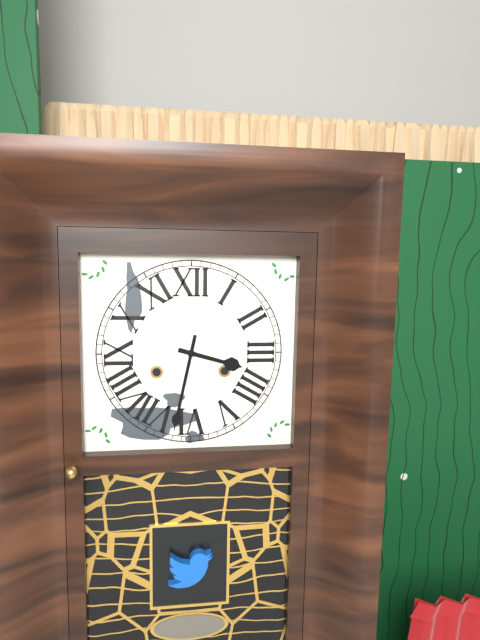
{"hour": 3, "minute": 32}
